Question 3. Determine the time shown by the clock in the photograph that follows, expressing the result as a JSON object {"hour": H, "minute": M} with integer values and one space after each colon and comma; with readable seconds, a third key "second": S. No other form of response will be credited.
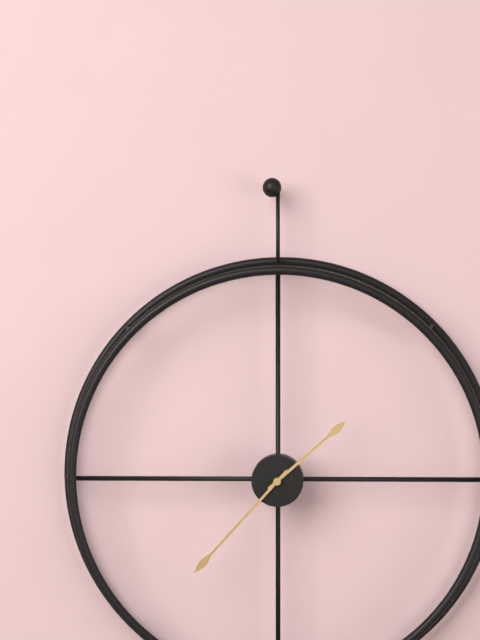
{"hour": 1, "minute": 37}
